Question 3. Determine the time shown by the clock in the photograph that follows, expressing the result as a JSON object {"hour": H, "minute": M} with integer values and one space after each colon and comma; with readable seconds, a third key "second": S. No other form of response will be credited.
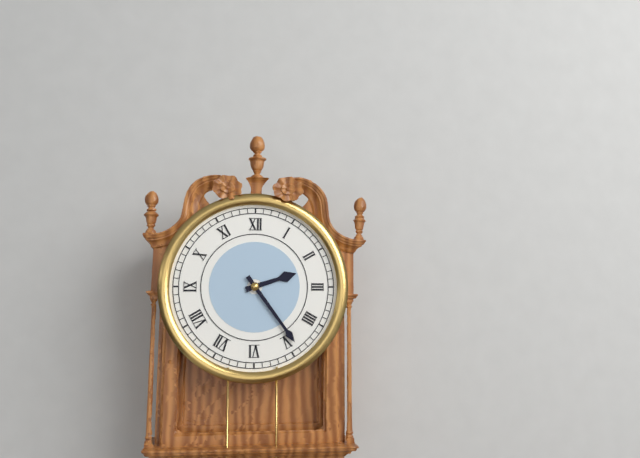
{"hour": 2, "minute": 24}
